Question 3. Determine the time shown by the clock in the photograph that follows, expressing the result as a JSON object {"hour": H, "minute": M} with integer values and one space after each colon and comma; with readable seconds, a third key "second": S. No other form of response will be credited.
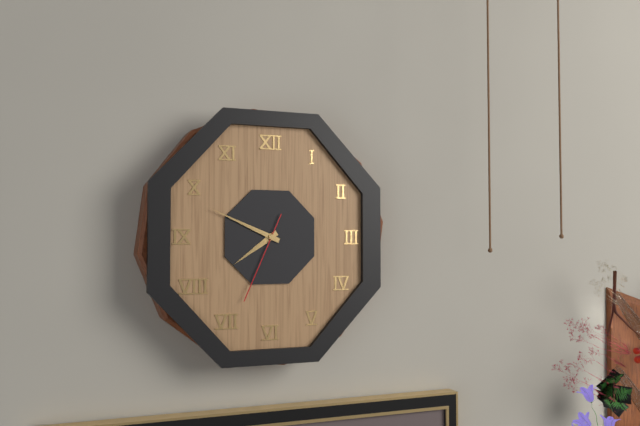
{"hour": 7, "minute": 49, "second": 34}
